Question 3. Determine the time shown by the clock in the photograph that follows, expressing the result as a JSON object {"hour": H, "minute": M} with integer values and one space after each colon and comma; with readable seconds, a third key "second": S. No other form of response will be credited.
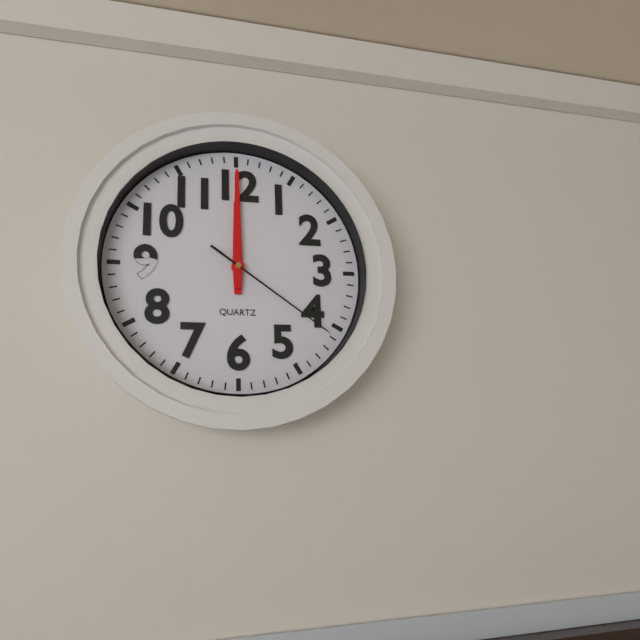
{"hour": 12, "minute": 0, "second": 21}
